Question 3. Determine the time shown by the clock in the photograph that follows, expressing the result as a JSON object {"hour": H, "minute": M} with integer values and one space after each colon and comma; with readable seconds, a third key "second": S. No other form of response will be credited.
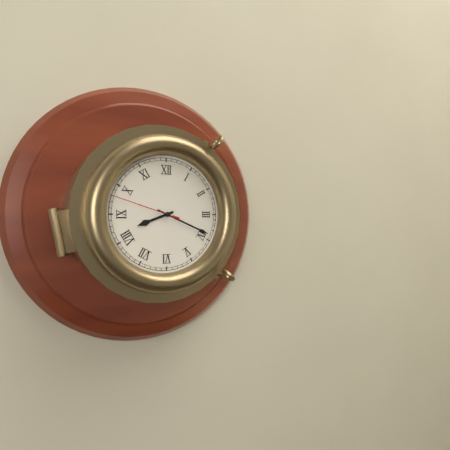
{"hour": 8, "minute": 19, "second": 48}
